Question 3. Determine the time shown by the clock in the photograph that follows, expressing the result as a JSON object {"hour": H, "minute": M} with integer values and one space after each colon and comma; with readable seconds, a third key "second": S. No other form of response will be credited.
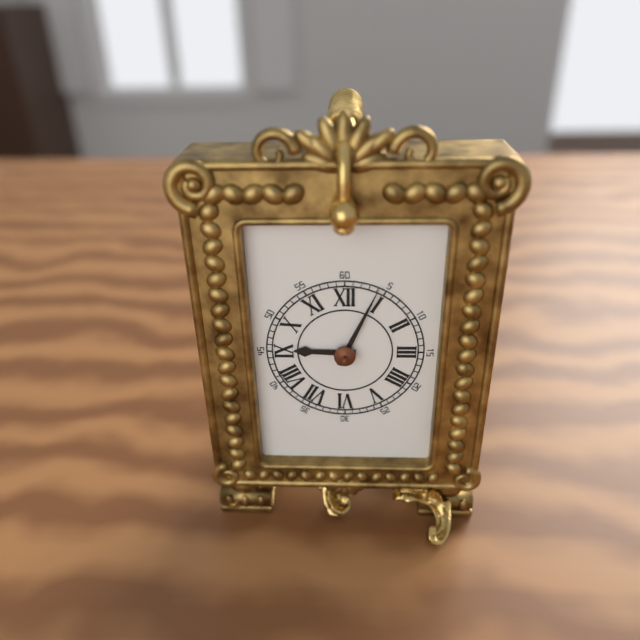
{"hour": 9, "minute": 4}
